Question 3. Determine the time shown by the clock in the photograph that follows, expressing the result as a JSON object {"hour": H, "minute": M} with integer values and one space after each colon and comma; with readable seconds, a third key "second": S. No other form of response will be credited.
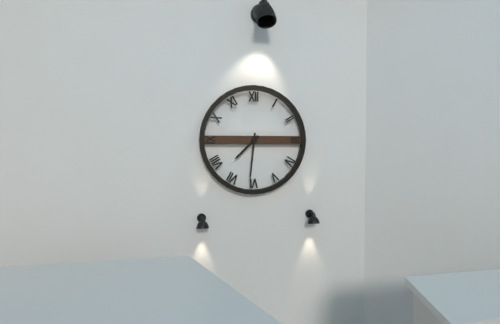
{"hour": 7, "minute": 31}
